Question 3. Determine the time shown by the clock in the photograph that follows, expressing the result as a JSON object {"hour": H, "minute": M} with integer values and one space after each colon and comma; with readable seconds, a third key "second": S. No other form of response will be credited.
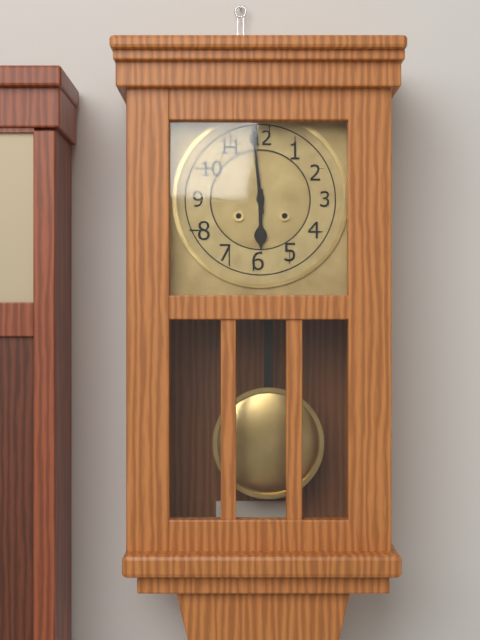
{"hour": 5, "minute": 59}
